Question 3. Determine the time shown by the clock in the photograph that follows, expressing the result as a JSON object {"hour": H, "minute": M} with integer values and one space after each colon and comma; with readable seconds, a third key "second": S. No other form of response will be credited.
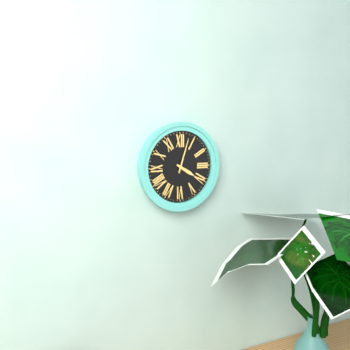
{"hour": 4, "minute": 3}
